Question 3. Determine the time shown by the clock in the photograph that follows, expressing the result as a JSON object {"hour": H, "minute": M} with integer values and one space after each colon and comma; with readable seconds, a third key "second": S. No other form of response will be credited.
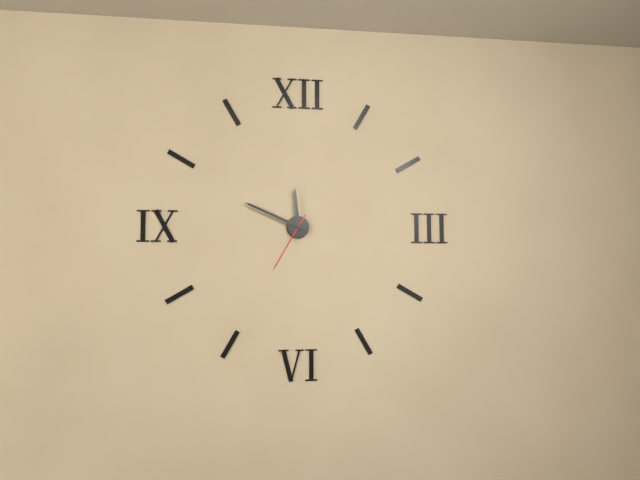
{"hour": 11, "minute": 49, "second": 35}
